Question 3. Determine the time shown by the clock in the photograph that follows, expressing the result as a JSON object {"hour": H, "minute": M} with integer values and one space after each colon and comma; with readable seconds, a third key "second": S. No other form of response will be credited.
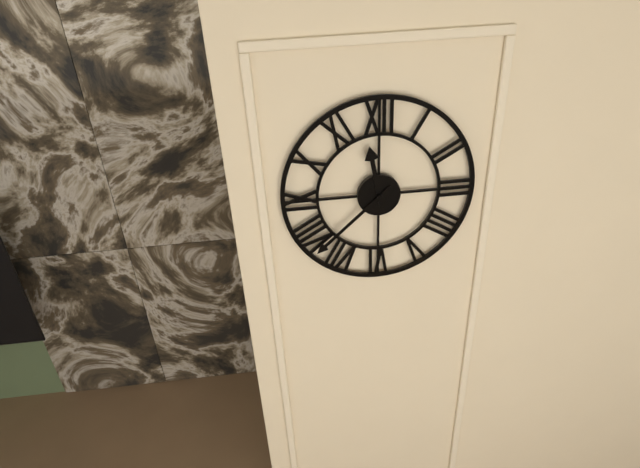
{"hour": 11, "minute": 38}
